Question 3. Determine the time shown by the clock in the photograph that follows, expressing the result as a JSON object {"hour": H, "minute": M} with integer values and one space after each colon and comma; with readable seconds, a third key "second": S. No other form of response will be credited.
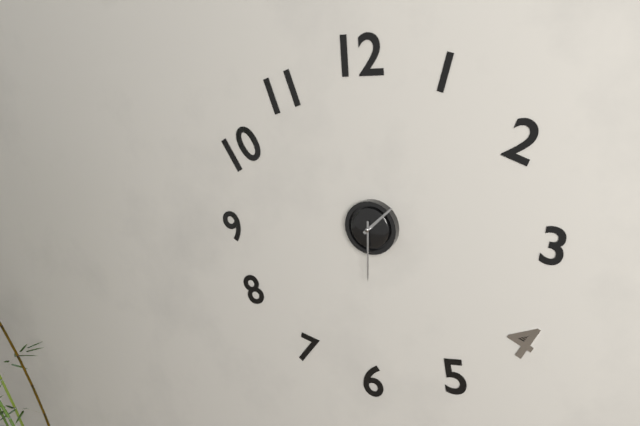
{"hour": 1, "minute": 30}
